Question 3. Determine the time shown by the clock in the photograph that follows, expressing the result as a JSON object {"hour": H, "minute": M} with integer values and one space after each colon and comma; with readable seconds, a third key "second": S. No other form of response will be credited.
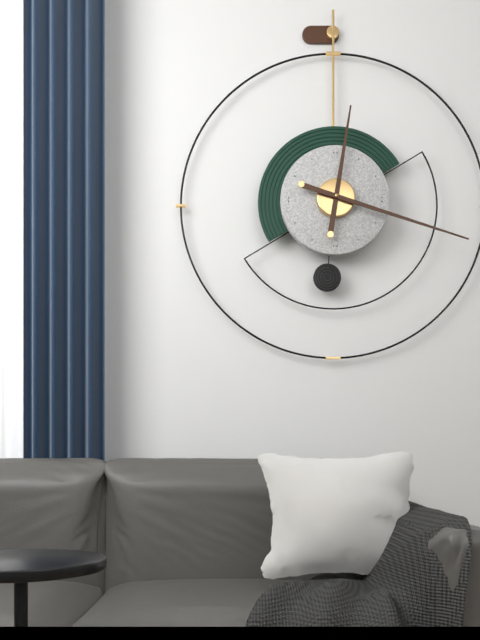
{"hour": 12, "minute": 18}
